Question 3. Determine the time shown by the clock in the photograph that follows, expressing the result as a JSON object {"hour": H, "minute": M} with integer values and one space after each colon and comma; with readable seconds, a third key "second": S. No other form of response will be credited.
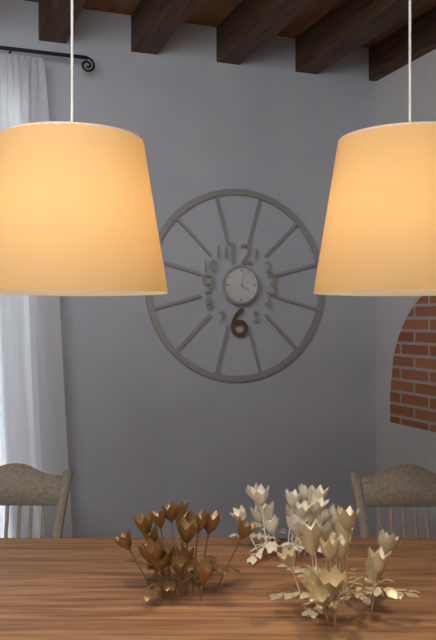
{"hour": 4, "minute": 1}
